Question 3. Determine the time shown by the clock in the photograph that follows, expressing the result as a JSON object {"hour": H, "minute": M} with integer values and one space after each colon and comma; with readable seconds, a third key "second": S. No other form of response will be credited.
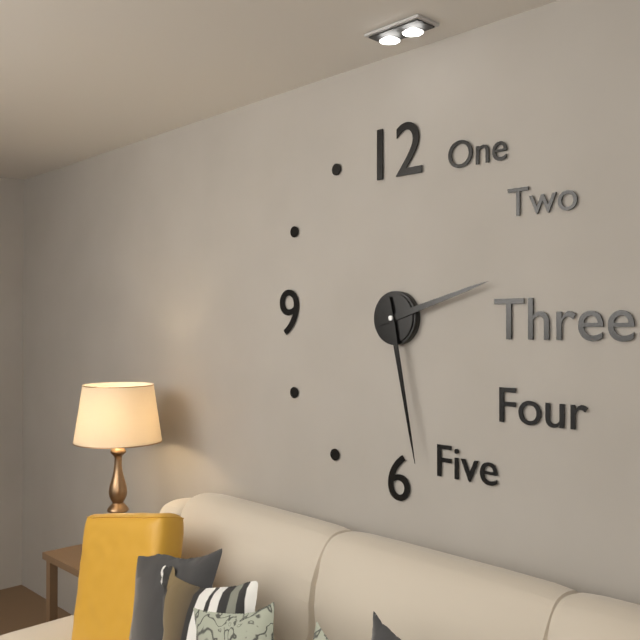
{"hour": 2, "minute": 28}
